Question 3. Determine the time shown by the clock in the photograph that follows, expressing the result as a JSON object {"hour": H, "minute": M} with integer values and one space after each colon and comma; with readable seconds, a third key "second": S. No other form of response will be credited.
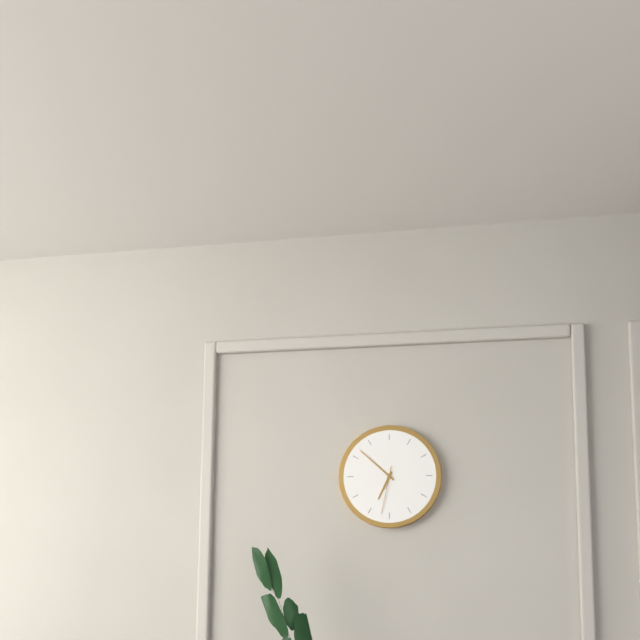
{"hour": 6, "minute": 52}
